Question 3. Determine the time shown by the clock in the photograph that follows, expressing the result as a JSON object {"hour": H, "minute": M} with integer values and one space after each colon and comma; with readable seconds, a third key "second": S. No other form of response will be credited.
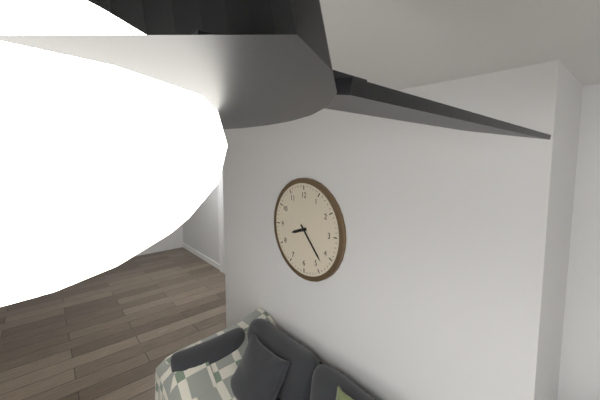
{"hour": 8, "minute": 23}
